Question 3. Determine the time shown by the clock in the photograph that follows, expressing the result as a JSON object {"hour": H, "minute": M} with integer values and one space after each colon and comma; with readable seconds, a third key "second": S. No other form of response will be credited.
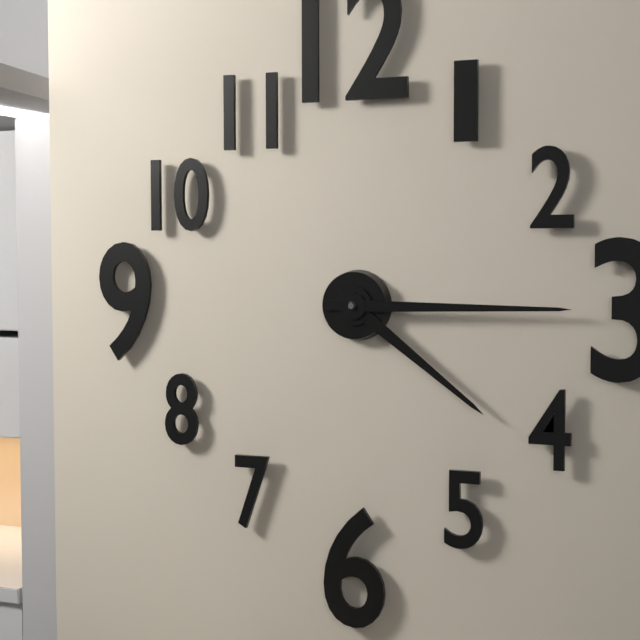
{"hour": 4, "minute": 15}
